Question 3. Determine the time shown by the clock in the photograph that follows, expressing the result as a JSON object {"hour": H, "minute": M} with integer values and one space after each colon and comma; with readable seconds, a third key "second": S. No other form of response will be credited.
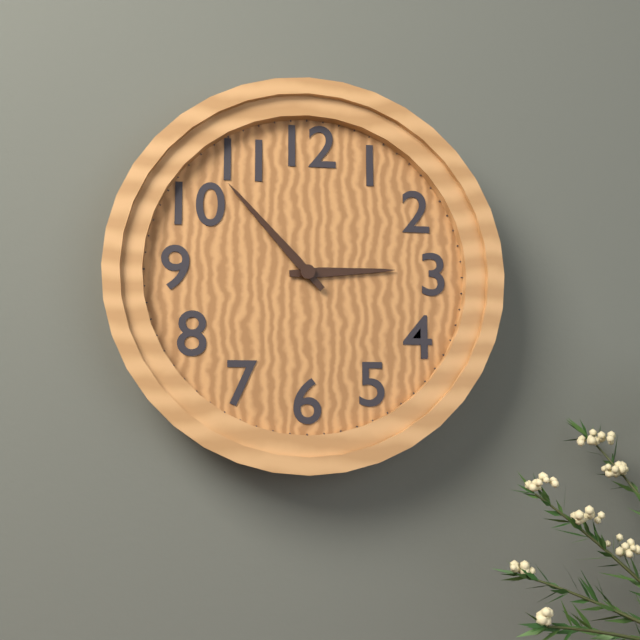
{"hour": 2, "minute": 53}
